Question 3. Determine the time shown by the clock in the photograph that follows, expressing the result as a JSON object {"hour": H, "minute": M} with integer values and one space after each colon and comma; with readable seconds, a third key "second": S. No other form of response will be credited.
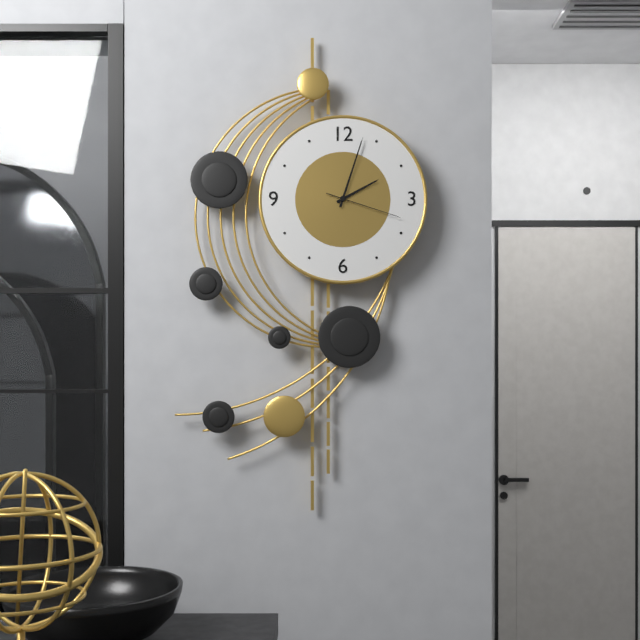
{"hour": 2, "minute": 3, "second": 18}
